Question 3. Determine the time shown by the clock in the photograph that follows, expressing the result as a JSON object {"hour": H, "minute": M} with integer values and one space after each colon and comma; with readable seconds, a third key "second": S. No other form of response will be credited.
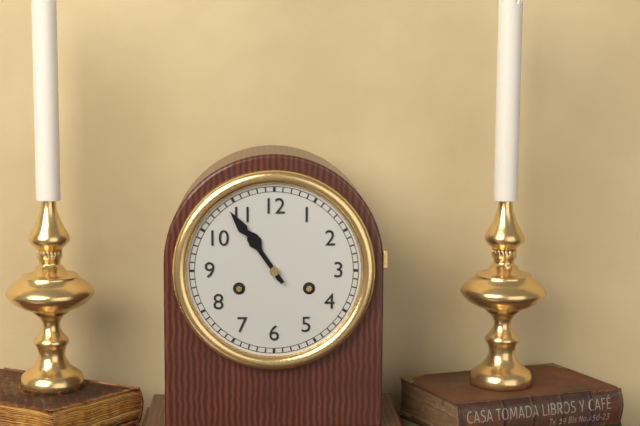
{"hour": 10, "minute": 54}
